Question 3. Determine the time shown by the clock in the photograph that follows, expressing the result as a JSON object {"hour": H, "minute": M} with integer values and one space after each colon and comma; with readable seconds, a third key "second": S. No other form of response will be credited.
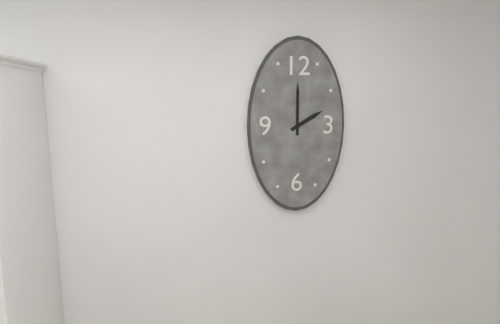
{"hour": 2, "minute": 0}
